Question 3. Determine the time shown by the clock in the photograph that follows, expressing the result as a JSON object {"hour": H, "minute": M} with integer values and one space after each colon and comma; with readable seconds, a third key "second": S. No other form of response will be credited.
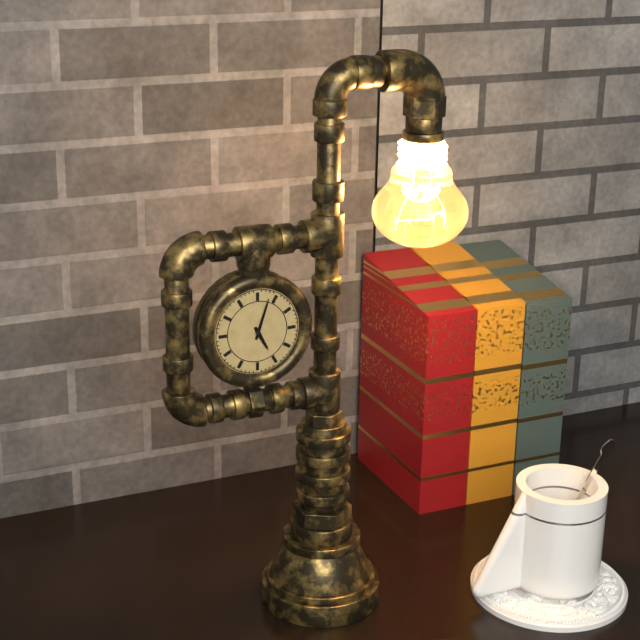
{"hour": 5, "minute": 3}
